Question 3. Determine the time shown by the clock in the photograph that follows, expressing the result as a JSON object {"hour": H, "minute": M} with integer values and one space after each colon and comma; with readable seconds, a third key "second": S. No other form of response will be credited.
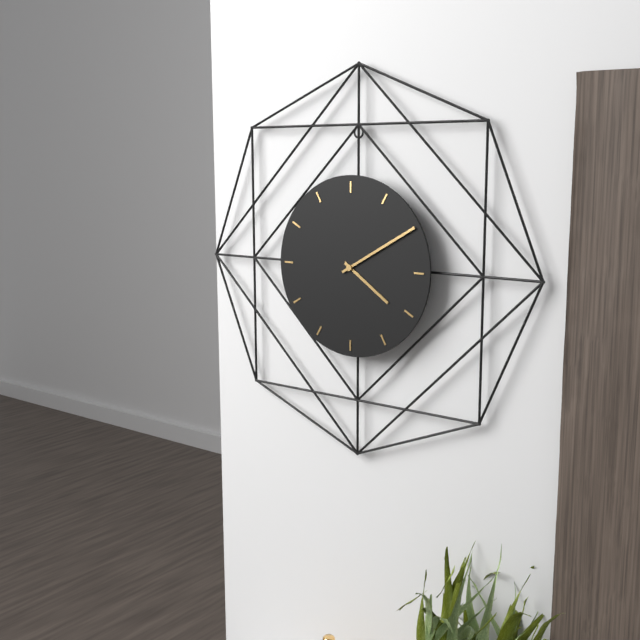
{"hour": 4, "minute": 10}
